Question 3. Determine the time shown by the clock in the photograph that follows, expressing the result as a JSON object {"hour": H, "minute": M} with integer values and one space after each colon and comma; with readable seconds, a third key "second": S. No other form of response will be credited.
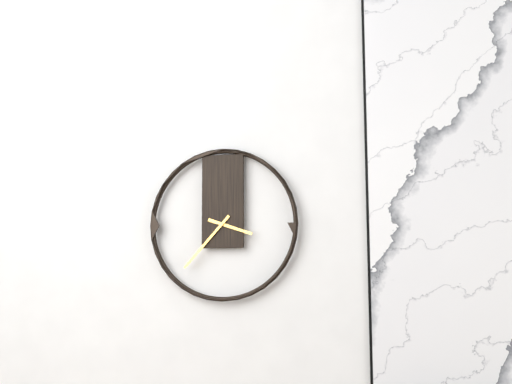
{"hour": 3, "minute": 37}
